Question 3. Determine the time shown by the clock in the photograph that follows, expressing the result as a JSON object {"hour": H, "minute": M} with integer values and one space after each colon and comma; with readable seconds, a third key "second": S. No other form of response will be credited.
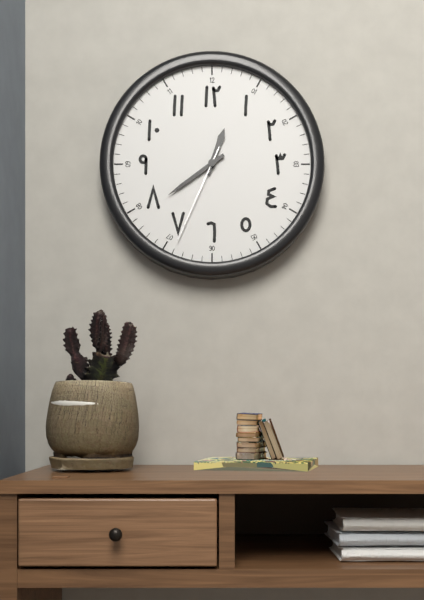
{"hour": 12, "minute": 39, "second": 34}
